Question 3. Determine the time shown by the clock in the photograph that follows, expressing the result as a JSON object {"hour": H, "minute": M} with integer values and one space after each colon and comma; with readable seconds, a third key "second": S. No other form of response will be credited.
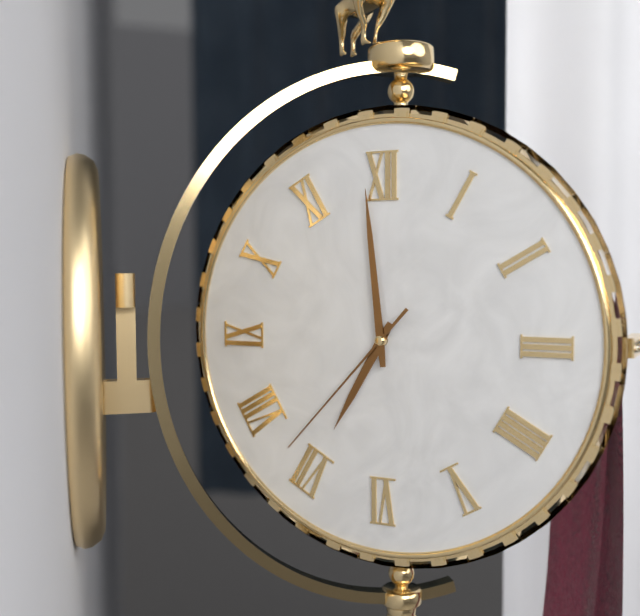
{"hour": 6, "minute": 59, "second": 37}
